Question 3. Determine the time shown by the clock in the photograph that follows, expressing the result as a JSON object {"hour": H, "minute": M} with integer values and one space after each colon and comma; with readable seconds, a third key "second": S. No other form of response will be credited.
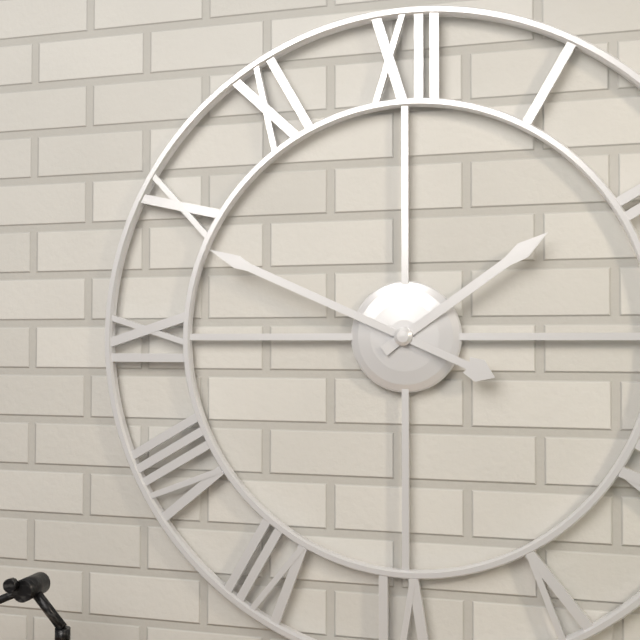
{"hour": 1, "minute": 49}
